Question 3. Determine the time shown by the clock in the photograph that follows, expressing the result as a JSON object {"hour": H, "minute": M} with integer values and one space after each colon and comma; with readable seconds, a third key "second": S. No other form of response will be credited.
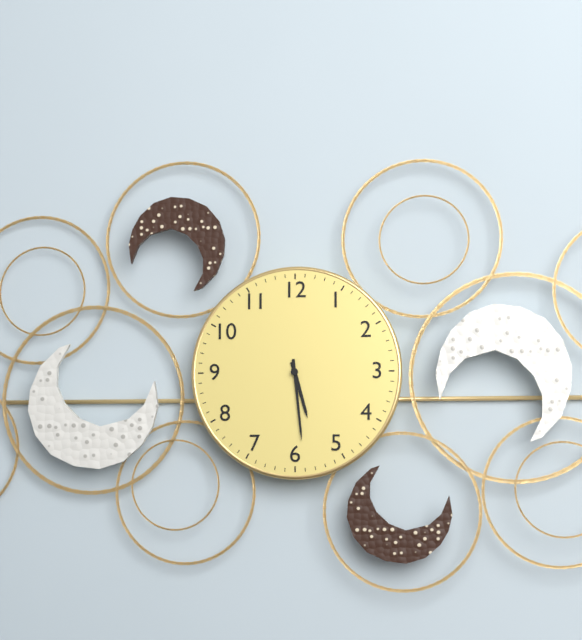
{"hour": 5, "minute": 29}
